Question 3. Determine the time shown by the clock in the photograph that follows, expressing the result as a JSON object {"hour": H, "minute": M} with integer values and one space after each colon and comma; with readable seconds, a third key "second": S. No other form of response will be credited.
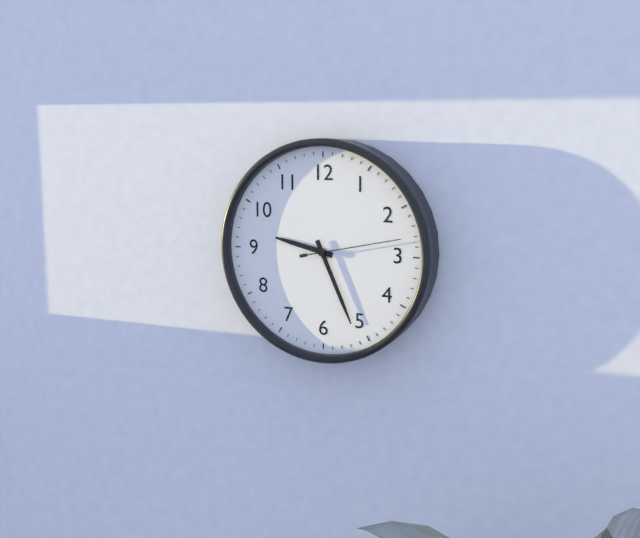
{"hour": 9, "minute": 26, "second": 13}
